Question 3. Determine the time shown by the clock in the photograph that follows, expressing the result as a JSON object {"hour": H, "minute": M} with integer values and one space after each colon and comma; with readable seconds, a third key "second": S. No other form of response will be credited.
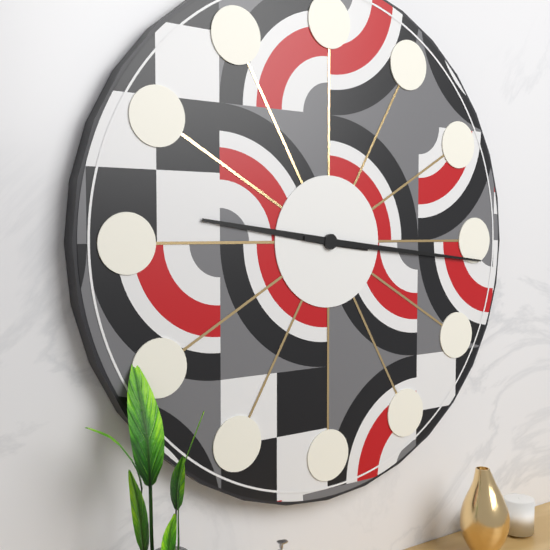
{"hour": 9, "minute": 16}
